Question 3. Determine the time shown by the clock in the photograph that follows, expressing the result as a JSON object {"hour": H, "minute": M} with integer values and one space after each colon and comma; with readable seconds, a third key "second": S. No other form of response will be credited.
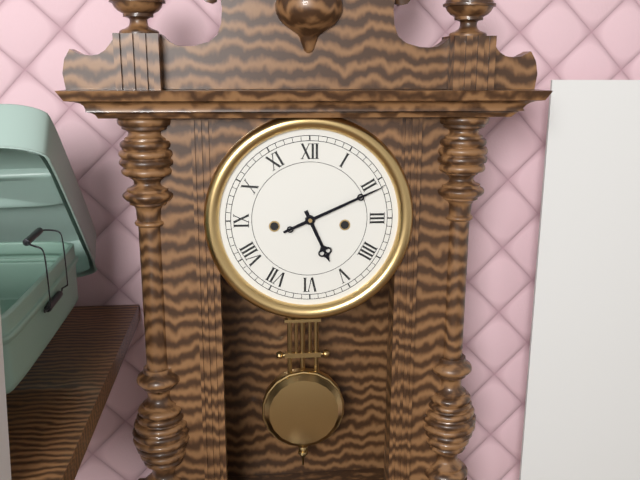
{"hour": 5, "minute": 11}
